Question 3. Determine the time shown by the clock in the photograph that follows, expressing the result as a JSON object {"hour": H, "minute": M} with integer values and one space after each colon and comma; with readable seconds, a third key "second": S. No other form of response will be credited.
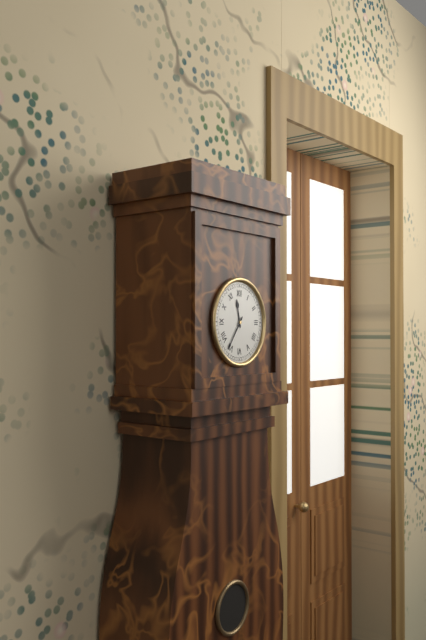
{"hour": 11, "minute": 36}
